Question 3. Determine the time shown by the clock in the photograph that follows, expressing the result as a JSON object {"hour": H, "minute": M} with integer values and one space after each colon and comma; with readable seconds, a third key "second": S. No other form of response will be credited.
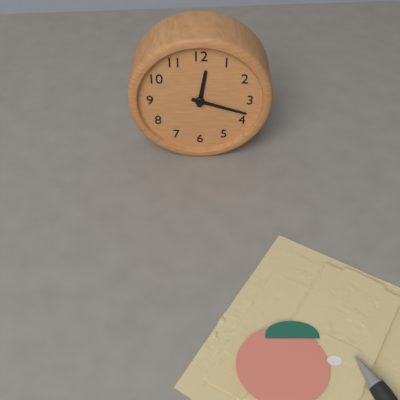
{"hour": 12, "minute": 18}
